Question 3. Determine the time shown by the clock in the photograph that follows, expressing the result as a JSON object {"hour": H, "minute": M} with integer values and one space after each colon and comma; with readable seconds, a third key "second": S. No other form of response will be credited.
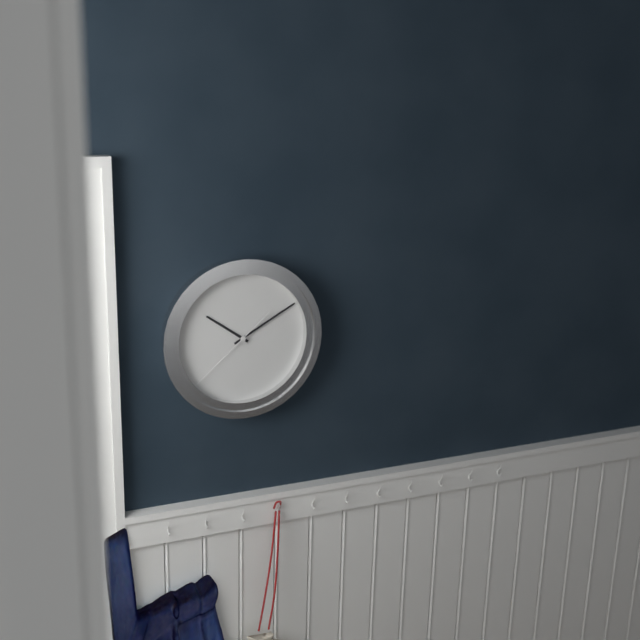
{"hour": 10, "minute": 10, "second": 38}
